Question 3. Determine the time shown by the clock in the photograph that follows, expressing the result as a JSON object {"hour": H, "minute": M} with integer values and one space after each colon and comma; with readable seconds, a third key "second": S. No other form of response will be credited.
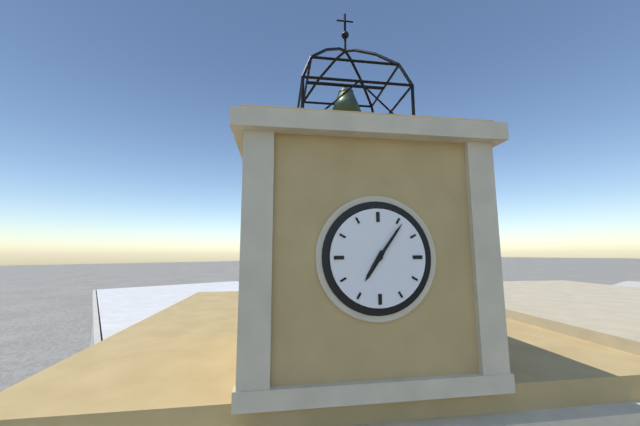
{"hour": 7, "minute": 6}
